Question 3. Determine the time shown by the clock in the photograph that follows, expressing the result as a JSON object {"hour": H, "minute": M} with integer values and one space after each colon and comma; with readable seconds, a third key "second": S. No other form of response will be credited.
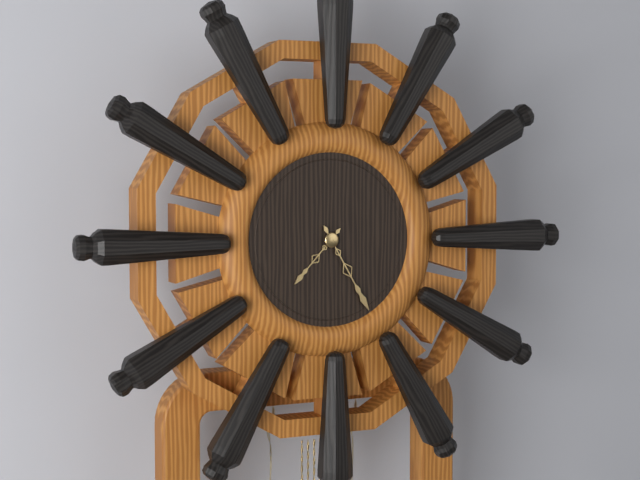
{"hour": 7, "minute": 25}
